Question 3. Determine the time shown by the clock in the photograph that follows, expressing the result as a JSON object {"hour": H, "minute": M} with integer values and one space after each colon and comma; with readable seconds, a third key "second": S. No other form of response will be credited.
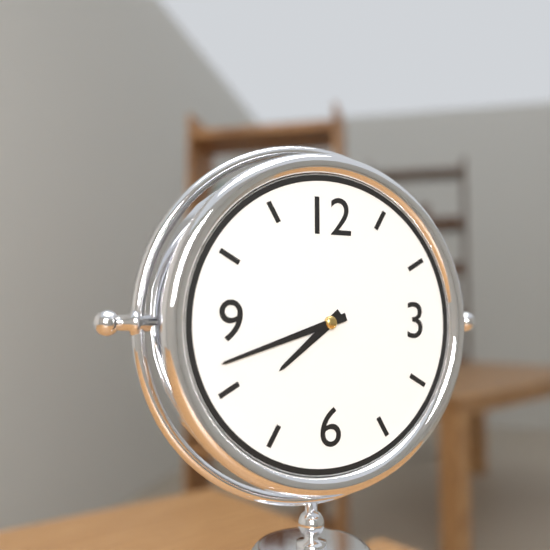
{"hour": 7, "minute": 42}
